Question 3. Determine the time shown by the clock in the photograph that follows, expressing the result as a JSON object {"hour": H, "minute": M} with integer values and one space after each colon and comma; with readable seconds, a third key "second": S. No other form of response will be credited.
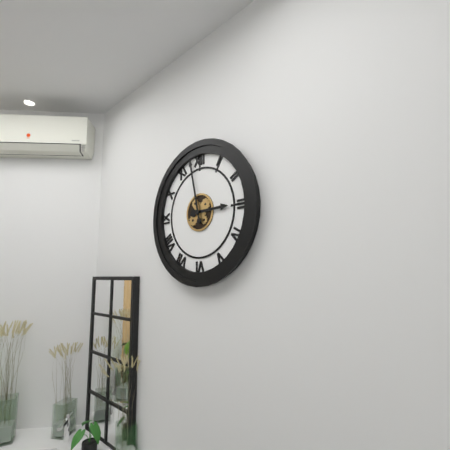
{"hour": 2, "minute": 58}
